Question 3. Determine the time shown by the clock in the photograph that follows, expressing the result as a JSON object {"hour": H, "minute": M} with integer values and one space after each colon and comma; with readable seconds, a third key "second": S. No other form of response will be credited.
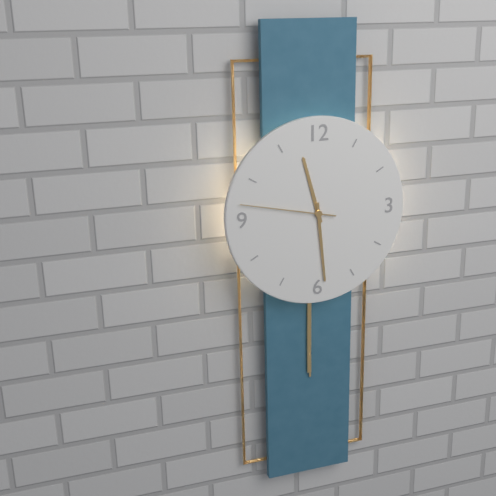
{"hour": 11, "minute": 29, "second": 47}
